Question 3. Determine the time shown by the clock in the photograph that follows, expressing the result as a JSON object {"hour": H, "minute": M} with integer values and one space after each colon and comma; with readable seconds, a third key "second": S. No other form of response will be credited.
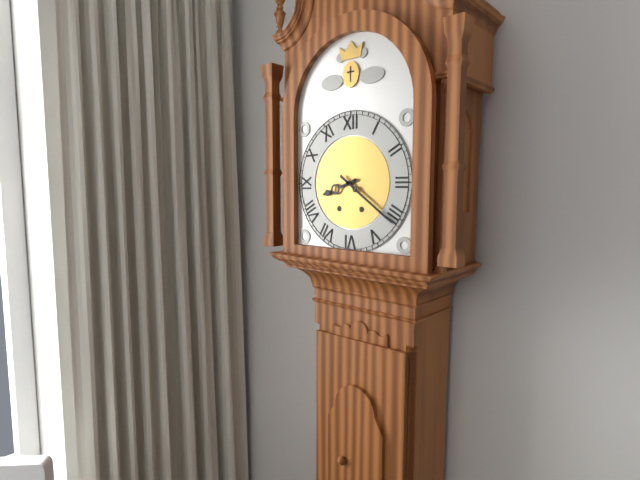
{"hour": 8, "minute": 21}
